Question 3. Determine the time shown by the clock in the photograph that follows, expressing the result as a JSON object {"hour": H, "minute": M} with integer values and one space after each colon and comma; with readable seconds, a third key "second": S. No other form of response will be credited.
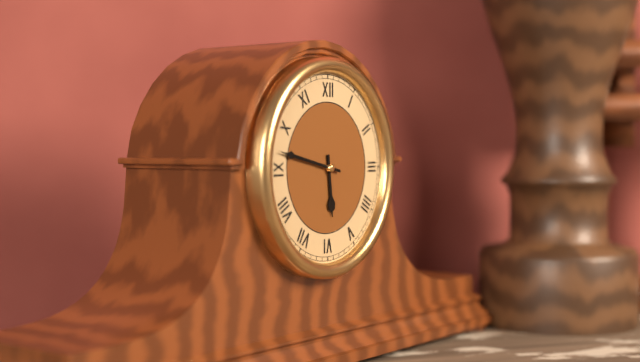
{"hour": 5, "minute": 47}
